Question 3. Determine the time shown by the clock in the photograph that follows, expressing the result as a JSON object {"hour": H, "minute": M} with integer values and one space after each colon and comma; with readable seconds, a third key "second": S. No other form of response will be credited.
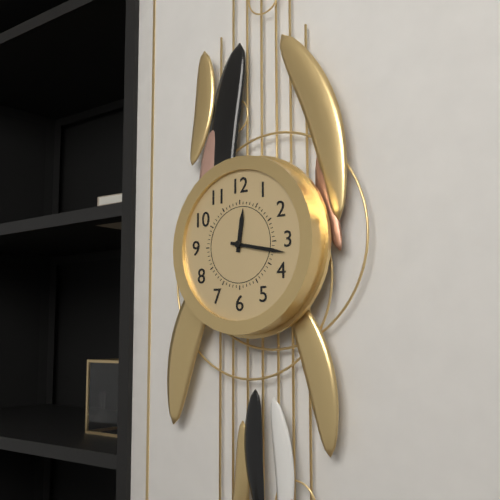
{"hour": 12, "minute": 17}
